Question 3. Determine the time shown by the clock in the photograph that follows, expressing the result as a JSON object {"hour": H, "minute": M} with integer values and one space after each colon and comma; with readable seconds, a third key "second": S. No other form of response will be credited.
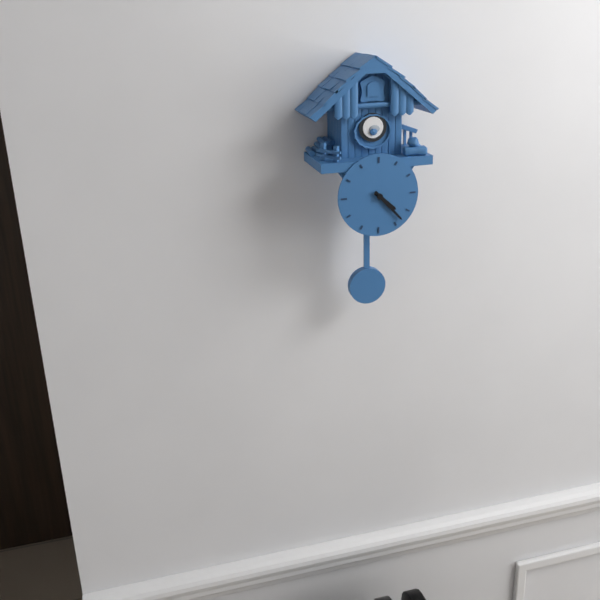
{"hour": 4, "minute": 23}
